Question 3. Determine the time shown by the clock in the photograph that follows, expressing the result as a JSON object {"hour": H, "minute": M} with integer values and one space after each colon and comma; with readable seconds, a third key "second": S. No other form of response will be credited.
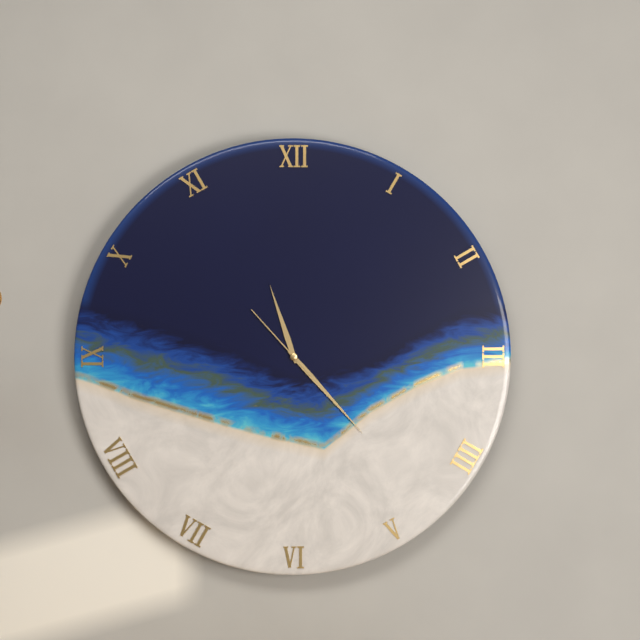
{"hour": 11, "minute": 23, "second": 53}
